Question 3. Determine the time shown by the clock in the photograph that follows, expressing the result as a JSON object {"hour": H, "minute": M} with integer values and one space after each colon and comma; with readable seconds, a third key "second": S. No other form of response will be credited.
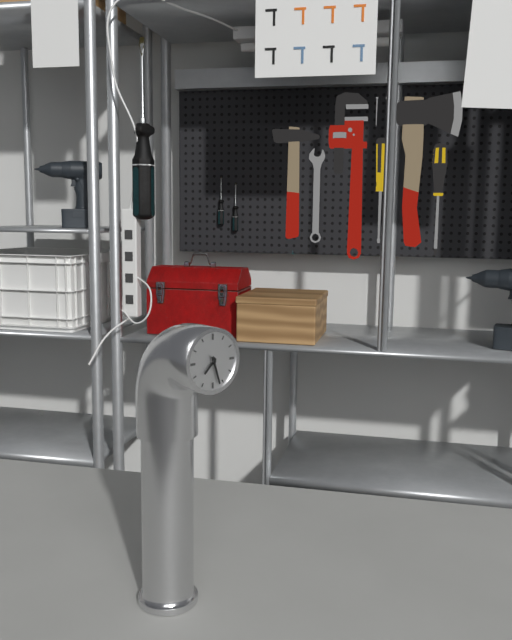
{"hour": 7, "minute": 27}
